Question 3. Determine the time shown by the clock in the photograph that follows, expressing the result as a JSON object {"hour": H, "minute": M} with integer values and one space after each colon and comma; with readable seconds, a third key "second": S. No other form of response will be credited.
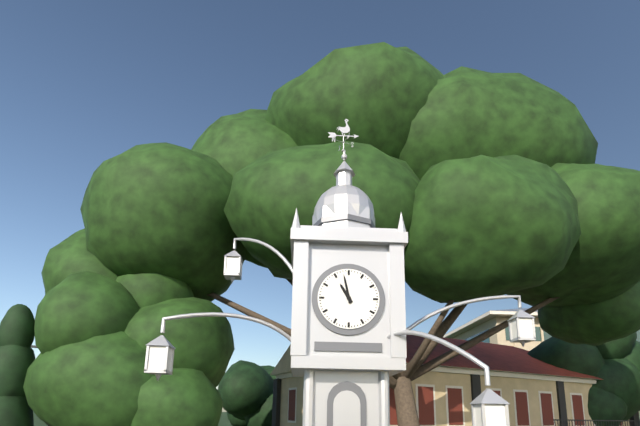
{"hour": 10, "minute": 58}
